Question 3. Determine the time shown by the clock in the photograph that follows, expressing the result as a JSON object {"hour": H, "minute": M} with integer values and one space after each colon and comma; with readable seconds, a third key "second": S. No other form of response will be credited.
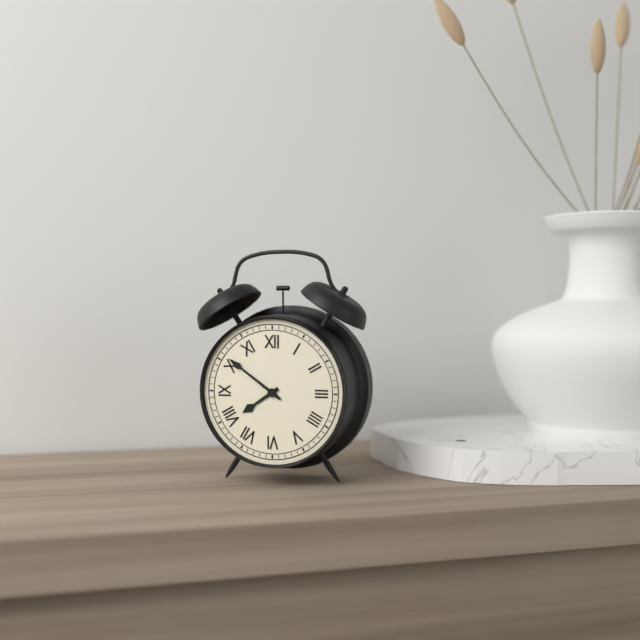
{"hour": 7, "minute": 51}
